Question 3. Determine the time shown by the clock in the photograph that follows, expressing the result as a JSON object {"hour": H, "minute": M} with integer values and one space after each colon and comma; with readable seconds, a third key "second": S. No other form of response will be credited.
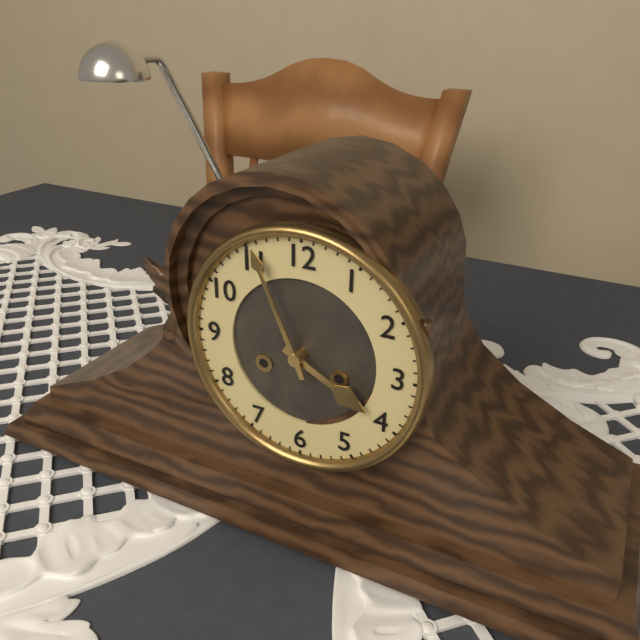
{"hour": 3, "minute": 56}
